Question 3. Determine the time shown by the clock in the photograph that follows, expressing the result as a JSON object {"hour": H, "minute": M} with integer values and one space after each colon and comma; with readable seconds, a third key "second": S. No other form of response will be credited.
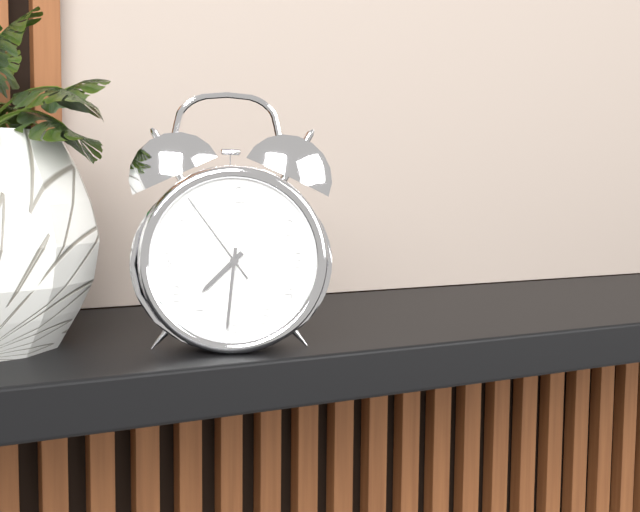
{"hour": 7, "minute": 31, "second": 54}
